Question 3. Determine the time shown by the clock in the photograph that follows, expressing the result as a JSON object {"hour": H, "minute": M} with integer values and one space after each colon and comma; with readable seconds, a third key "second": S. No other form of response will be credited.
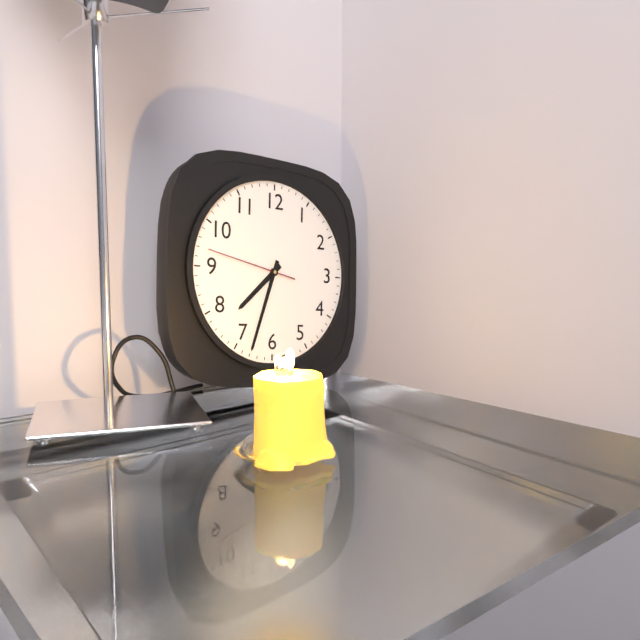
{"hour": 7, "minute": 33, "second": 47}
